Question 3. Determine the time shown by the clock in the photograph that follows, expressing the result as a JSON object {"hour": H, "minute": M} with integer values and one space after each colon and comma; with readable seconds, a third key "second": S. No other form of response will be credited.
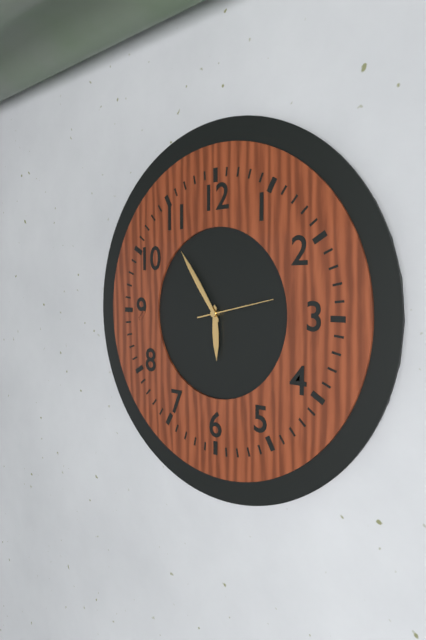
{"hour": 5, "minute": 54, "second": 13}
